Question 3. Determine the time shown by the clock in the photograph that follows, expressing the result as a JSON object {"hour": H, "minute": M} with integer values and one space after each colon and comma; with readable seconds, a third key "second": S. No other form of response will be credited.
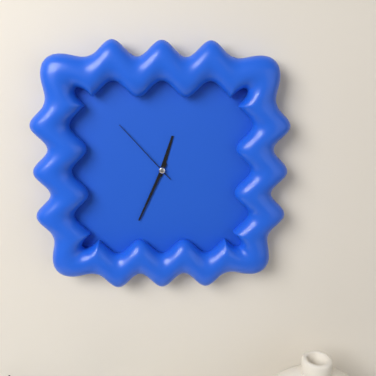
{"hour": 12, "minute": 34, "second": 53}
